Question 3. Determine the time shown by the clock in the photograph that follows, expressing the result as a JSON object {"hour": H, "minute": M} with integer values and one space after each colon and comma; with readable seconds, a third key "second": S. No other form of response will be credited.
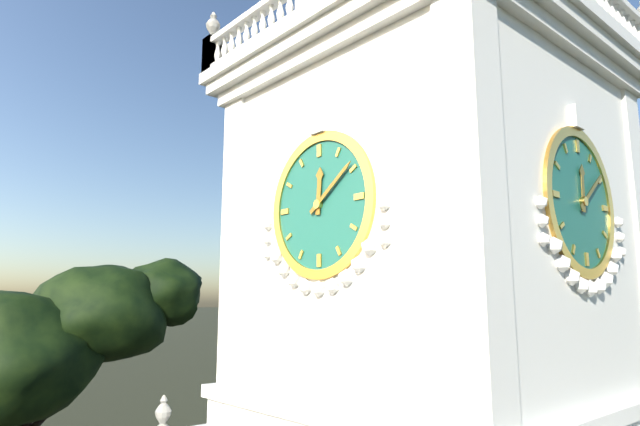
{"hour": 12, "minute": 9}
